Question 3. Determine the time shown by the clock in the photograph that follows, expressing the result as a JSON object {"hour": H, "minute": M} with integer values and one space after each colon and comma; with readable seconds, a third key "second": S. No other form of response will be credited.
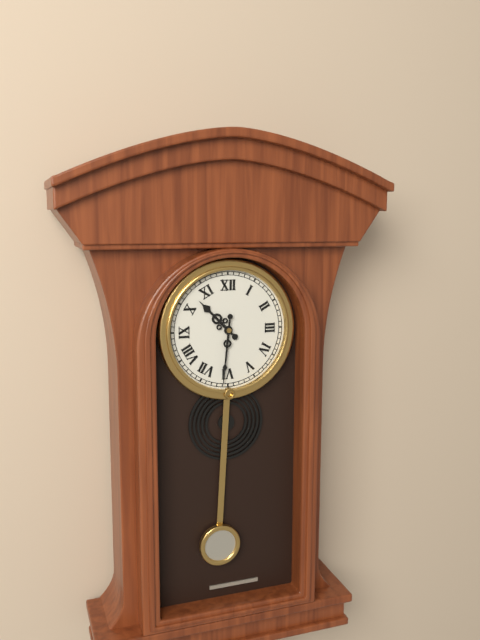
{"hour": 10, "minute": 31}
